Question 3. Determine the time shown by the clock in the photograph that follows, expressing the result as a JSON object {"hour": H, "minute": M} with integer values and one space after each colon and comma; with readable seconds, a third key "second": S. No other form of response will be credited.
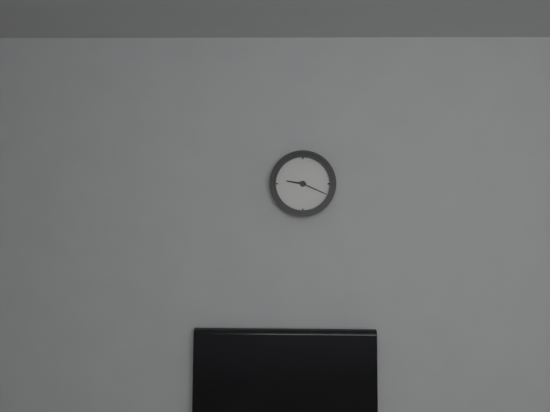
{"hour": 9, "minute": 19}
